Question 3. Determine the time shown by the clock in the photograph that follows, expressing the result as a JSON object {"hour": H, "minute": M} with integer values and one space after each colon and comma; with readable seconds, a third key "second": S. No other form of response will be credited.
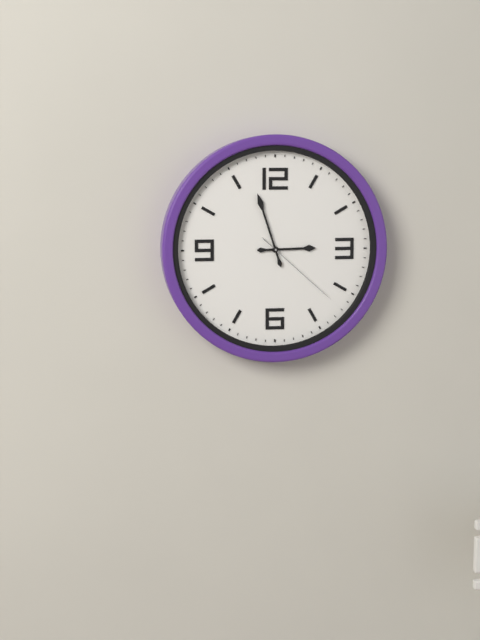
{"hour": 2, "minute": 57, "second": 22}
